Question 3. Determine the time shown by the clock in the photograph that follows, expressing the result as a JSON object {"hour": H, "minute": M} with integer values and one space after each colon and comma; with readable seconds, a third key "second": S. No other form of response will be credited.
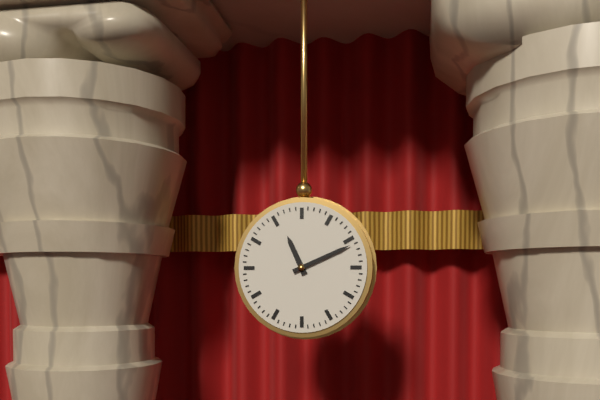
{"hour": 11, "minute": 11}
